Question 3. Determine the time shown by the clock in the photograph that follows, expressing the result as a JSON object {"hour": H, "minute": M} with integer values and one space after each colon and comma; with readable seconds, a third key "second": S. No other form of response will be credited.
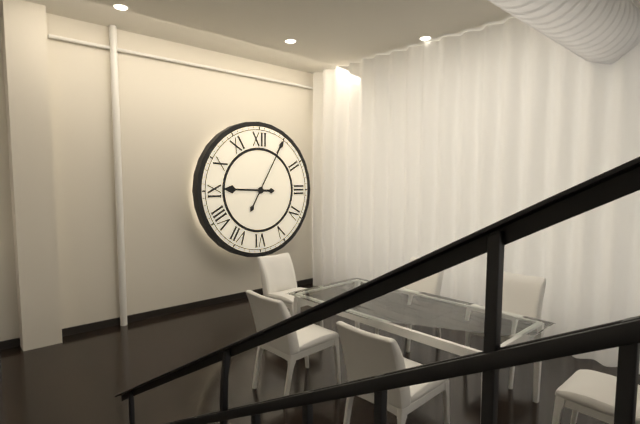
{"hour": 9, "minute": 5}
